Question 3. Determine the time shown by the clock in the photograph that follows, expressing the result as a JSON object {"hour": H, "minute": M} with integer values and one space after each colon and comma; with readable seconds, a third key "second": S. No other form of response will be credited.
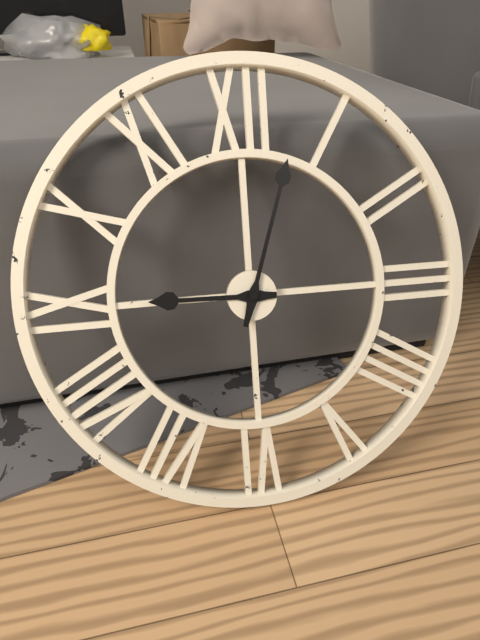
{"hour": 9, "minute": 3}
